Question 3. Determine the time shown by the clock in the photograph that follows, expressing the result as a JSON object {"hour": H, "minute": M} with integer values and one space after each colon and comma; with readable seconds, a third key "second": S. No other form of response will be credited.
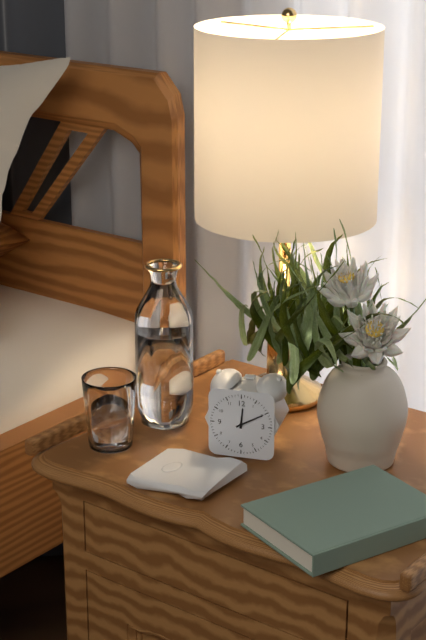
{"hour": 12, "minute": 10}
